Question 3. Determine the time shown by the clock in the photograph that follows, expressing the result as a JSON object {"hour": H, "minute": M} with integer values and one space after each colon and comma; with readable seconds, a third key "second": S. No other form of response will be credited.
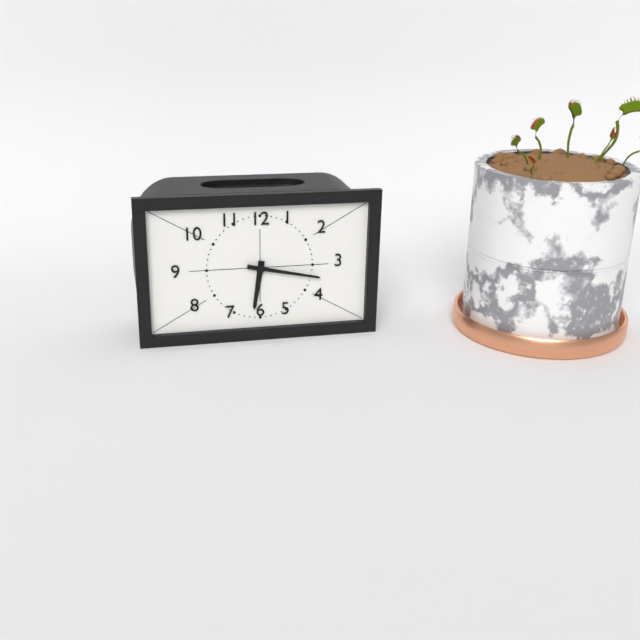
{"hour": 6, "minute": 17}
